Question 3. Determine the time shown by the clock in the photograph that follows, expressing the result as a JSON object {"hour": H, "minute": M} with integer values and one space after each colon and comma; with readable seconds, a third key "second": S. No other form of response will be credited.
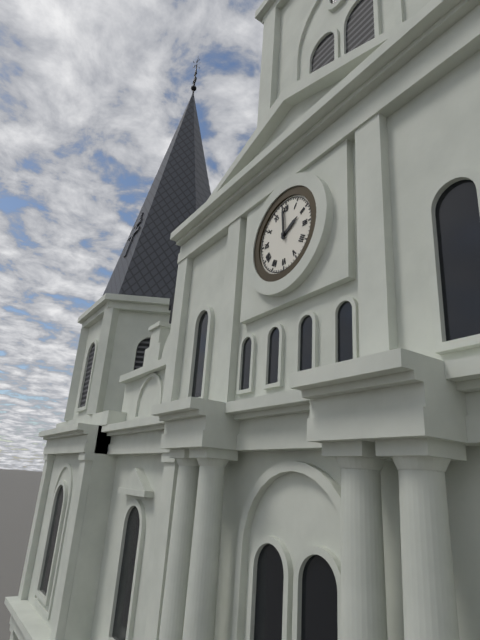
{"hour": 1, "minute": 59}
